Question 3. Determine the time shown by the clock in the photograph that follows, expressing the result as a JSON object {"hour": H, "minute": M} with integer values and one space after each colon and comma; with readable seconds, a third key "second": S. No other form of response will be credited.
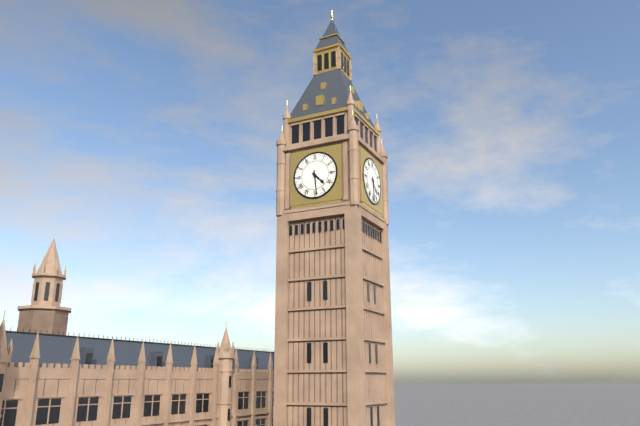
{"hour": 4, "minute": 29}
